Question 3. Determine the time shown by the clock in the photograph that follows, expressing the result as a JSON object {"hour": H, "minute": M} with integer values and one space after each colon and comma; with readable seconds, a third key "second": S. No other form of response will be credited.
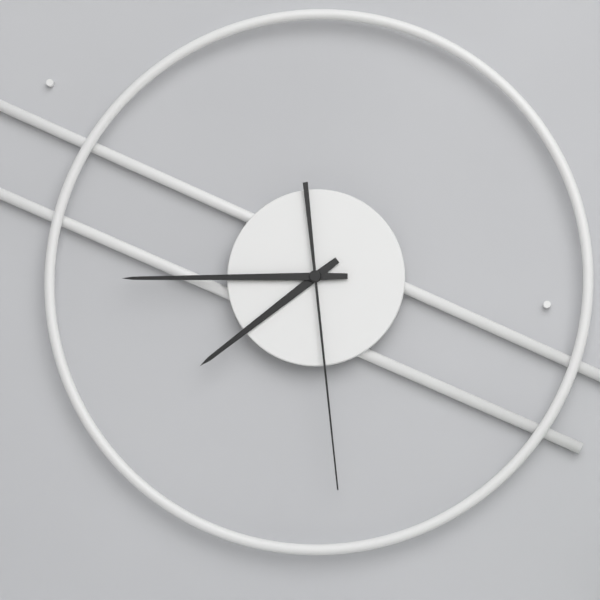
{"hour": 7, "minute": 45, "second": 29}
